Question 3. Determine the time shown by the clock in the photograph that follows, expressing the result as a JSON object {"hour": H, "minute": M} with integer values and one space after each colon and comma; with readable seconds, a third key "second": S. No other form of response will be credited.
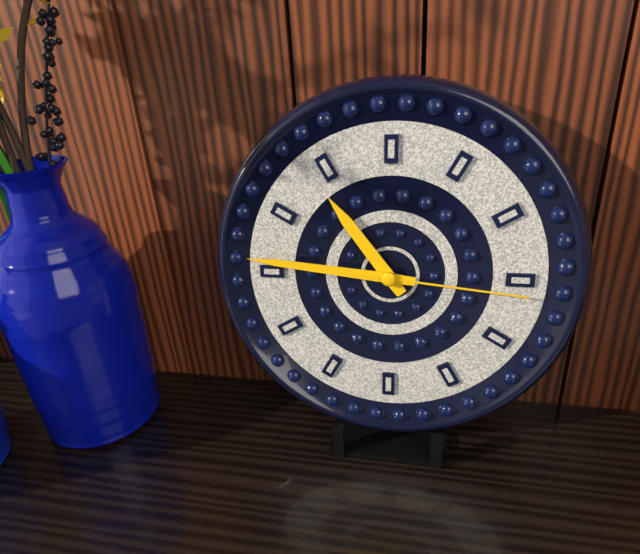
{"hour": 10, "minute": 46, "second": 16}
